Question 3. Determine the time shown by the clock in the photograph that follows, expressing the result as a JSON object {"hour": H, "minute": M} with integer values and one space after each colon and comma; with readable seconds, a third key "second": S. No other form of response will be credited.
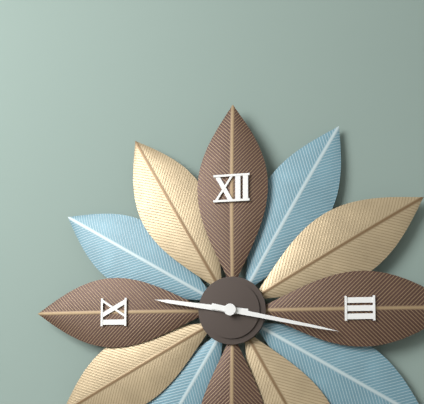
{"hour": 9, "minute": 17}
